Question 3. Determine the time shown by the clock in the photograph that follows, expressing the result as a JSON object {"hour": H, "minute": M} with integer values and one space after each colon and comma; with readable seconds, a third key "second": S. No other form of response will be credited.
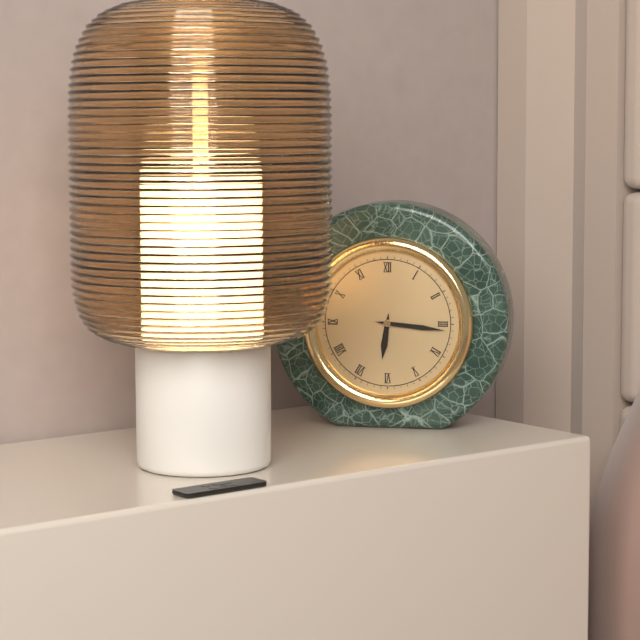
{"hour": 6, "minute": 16}
